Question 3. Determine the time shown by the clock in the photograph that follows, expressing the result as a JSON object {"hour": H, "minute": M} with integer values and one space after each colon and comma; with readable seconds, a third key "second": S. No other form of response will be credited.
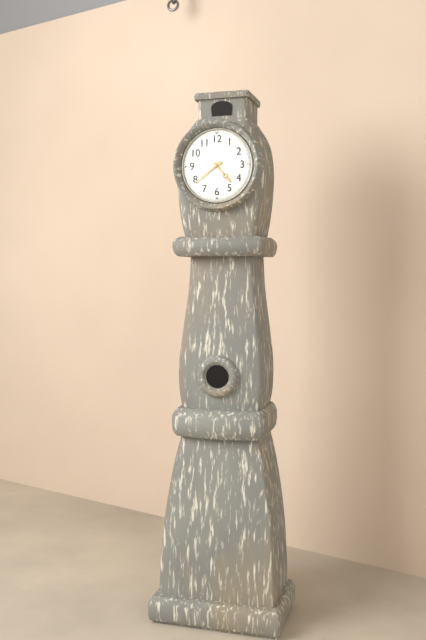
{"hour": 4, "minute": 39}
